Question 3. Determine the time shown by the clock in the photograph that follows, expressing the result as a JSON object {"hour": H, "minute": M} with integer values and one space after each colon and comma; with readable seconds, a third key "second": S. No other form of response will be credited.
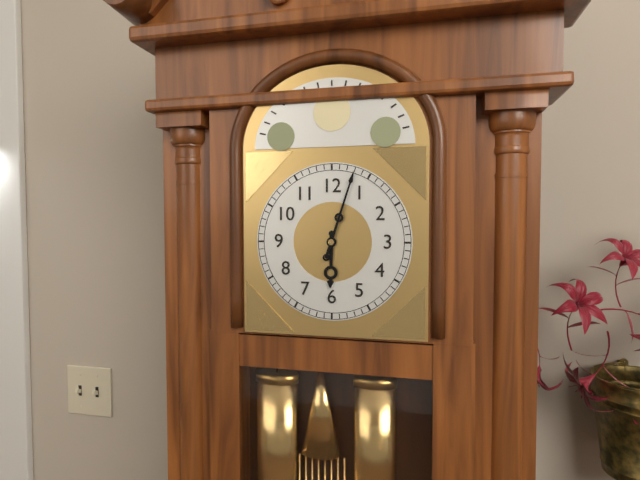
{"hour": 6, "minute": 3}
